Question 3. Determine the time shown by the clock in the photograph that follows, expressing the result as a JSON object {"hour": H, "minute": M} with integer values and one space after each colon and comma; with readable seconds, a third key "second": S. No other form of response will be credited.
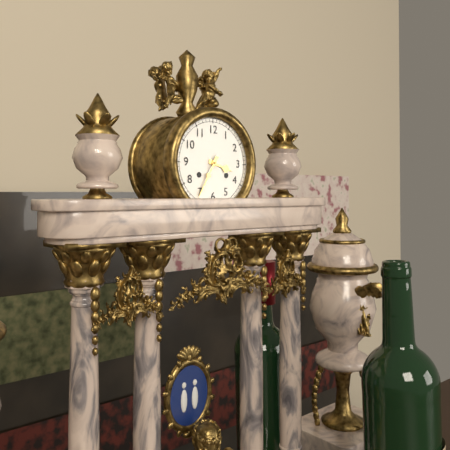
{"hour": 3, "minute": 35}
